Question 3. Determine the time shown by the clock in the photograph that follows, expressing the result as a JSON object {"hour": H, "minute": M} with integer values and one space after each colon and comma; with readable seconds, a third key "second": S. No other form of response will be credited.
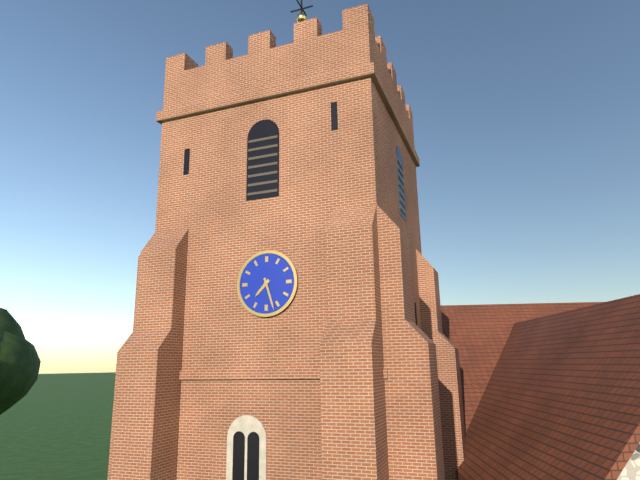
{"hour": 7, "minute": 27}
